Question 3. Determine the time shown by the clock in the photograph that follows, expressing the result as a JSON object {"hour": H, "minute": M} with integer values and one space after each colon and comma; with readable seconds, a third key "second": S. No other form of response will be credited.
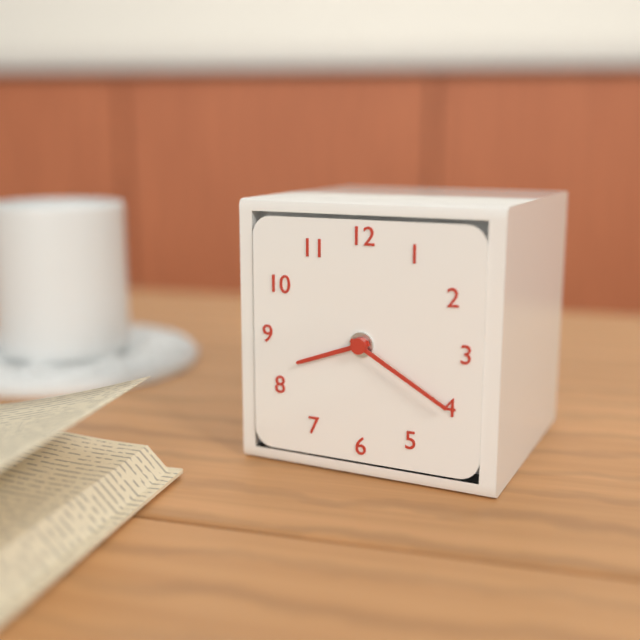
{"hour": 8, "minute": 20}
